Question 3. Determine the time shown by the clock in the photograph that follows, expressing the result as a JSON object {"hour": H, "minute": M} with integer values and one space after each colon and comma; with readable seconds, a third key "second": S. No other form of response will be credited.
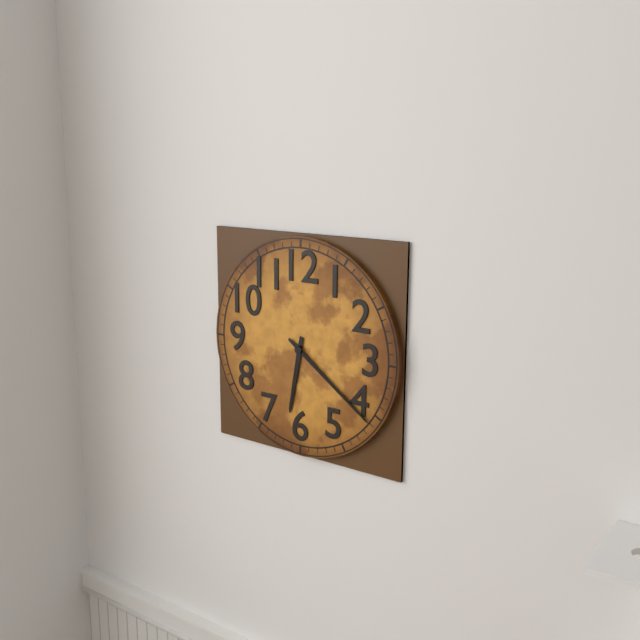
{"hour": 6, "minute": 21}
